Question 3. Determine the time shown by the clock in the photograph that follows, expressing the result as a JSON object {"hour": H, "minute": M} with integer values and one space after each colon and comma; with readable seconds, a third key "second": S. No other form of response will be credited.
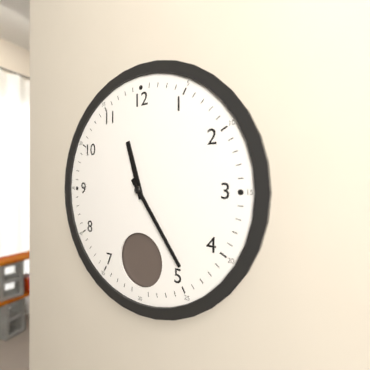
{"hour": 11, "minute": 24}
